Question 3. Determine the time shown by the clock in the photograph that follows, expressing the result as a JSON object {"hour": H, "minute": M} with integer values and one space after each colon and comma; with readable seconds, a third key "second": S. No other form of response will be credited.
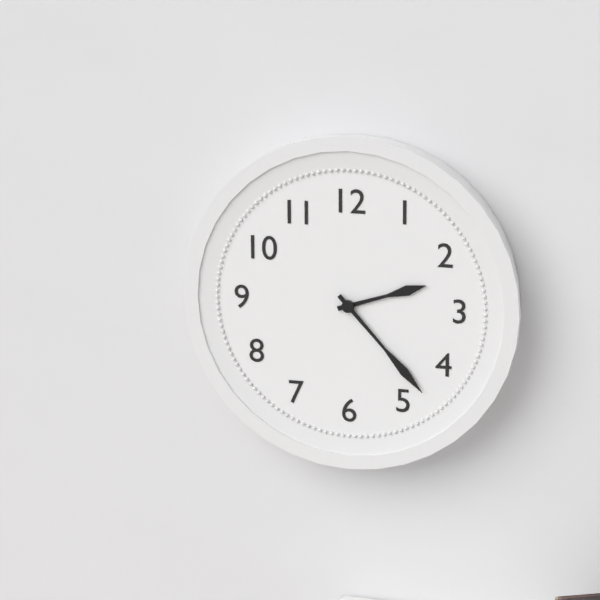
{"hour": 2, "minute": 23}
